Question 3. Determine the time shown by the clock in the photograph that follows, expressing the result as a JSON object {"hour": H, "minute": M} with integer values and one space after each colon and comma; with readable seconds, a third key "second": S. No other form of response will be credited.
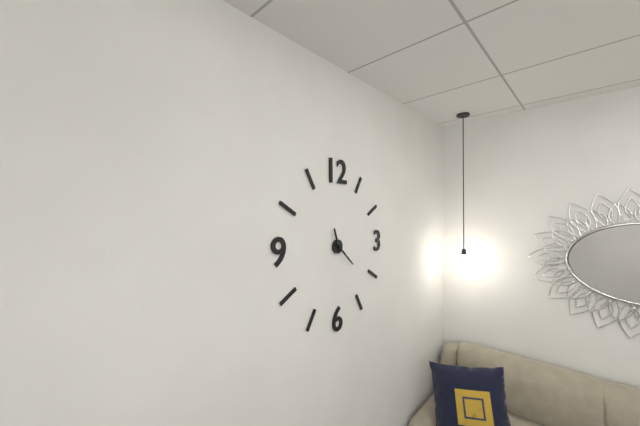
{"hour": 11, "minute": 22}
